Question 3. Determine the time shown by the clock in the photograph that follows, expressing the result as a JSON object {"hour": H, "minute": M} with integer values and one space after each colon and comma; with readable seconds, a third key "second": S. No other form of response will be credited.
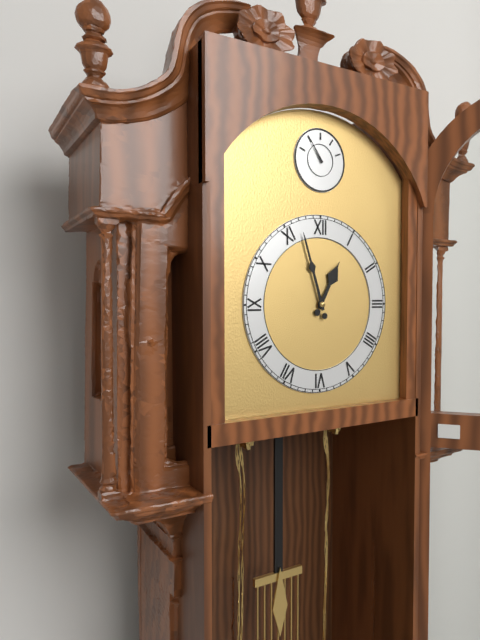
{"hour": 12, "minute": 57}
